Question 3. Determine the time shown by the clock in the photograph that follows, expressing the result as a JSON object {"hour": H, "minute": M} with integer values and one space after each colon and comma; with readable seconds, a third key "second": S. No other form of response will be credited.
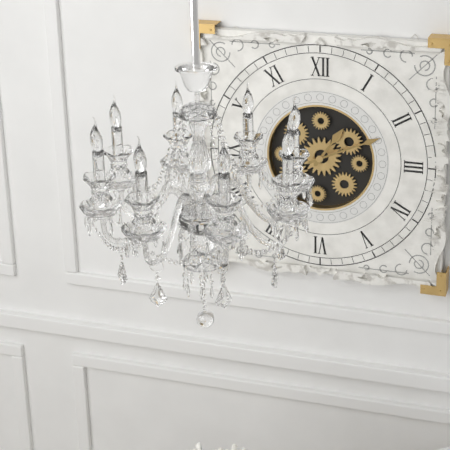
{"hour": 1, "minute": 11}
